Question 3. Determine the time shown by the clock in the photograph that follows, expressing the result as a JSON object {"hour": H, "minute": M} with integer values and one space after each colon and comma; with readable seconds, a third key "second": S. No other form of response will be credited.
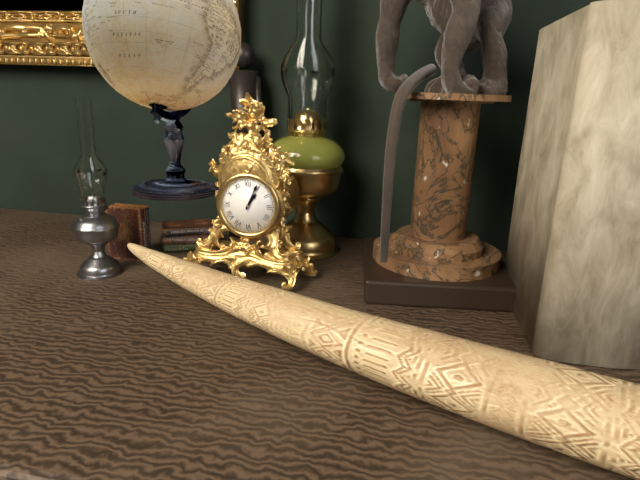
{"hour": 1, "minute": 4}
